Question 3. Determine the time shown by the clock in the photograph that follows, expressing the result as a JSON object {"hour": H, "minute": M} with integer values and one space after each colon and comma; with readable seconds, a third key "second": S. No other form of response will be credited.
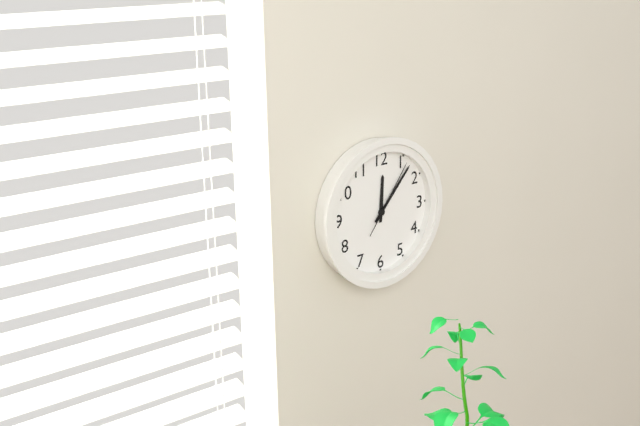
{"hour": 12, "minute": 7, "second": 6}
